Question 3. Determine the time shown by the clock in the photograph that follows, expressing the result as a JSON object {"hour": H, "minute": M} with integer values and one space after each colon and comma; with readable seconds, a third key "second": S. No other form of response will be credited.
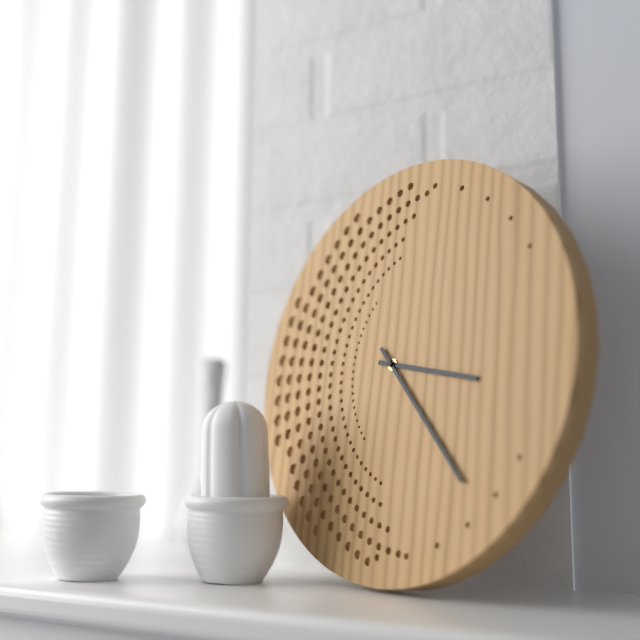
{"hour": 3, "minute": 23}
